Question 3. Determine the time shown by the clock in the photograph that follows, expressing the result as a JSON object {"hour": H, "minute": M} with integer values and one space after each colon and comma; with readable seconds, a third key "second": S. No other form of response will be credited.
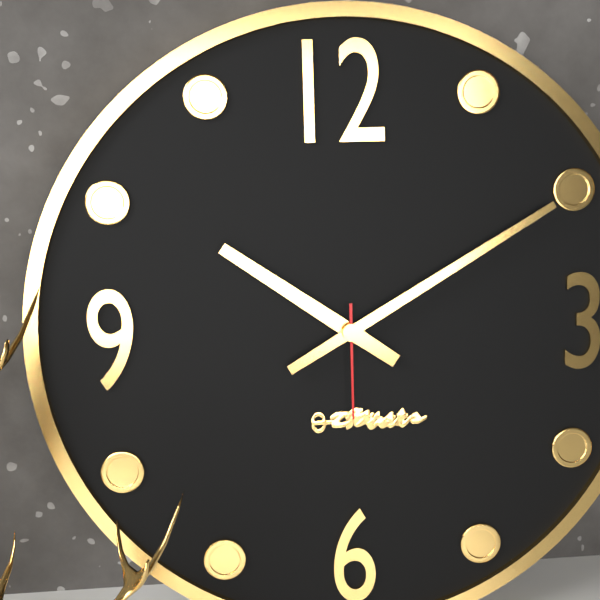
{"hour": 10, "minute": 10, "second": 30}
